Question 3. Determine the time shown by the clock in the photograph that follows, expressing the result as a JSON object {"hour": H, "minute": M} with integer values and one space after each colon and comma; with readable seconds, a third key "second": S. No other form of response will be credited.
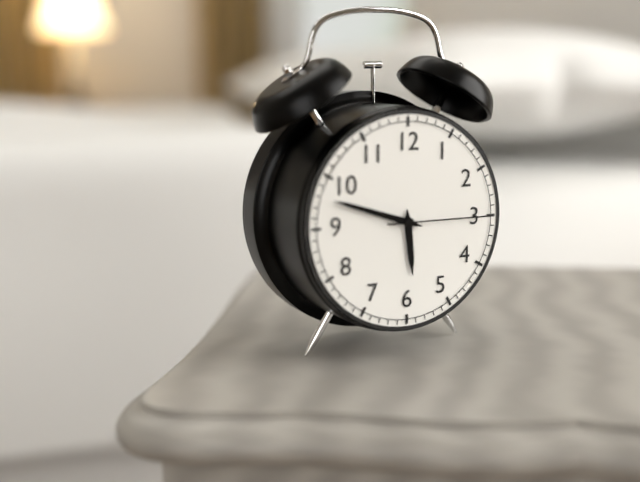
{"hour": 5, "minute": 48, "second": 15}
